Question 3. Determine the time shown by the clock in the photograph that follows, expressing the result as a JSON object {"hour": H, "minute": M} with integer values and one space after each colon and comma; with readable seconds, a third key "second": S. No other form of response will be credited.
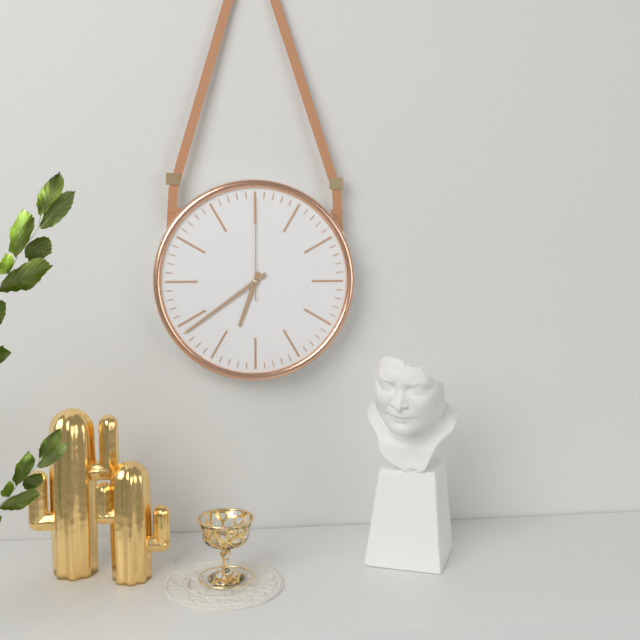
{"hour": 6, "minute": 39, "second": 0}
